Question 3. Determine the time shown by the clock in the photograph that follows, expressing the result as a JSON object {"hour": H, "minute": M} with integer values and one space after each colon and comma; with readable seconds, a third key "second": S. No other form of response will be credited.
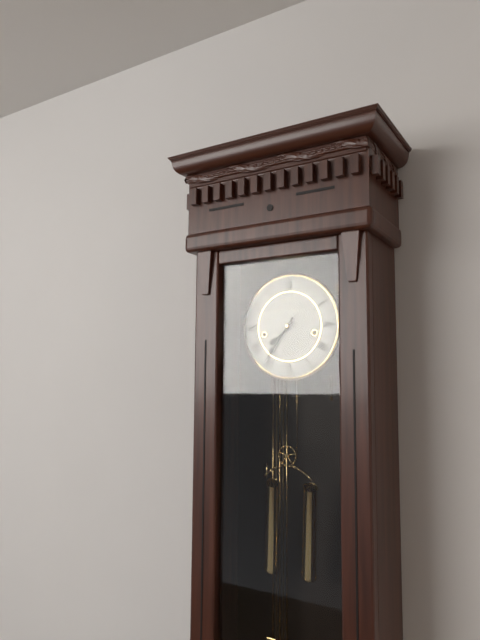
{"hour": 7, "minute": 36}
